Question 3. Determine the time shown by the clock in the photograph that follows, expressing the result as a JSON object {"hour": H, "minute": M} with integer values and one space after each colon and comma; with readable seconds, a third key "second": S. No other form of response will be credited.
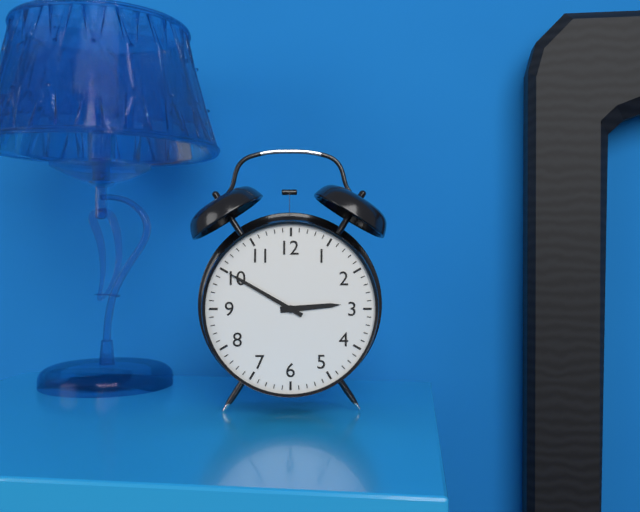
{"hour": 2, "minute": 50}
